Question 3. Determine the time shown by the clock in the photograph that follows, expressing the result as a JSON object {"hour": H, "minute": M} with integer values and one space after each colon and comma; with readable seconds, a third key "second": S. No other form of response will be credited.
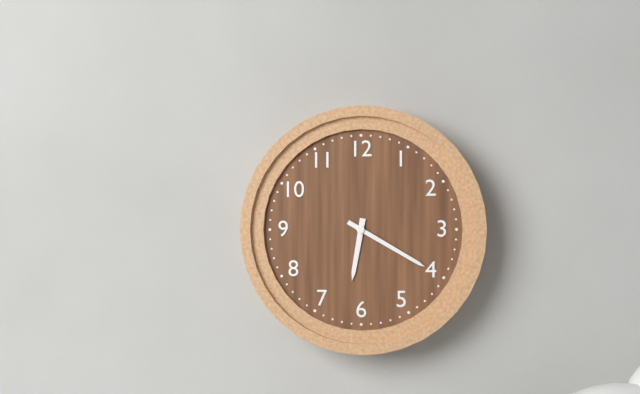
{"hour": 6, "minute": 20}
